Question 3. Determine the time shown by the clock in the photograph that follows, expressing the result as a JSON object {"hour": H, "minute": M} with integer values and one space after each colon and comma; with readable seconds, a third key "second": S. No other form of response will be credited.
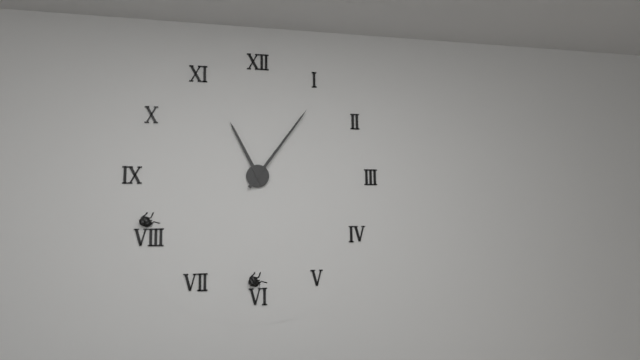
{"hour": 11, "minute": 6}
